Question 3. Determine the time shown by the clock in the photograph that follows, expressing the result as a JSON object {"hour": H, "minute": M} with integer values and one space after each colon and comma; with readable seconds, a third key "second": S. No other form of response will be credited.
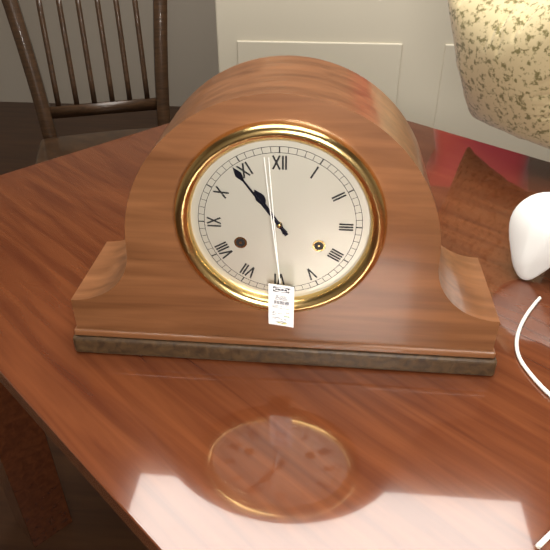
{"hour": 10, "minute": 54}
